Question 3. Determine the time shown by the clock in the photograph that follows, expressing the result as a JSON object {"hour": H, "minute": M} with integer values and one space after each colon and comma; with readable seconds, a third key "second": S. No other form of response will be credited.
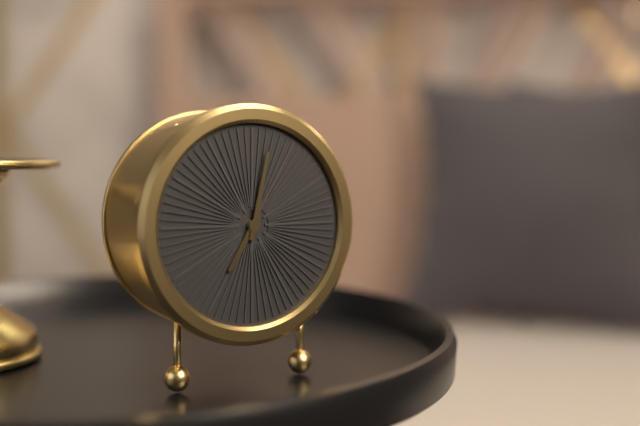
{"hour": 7, "minute": 2}
